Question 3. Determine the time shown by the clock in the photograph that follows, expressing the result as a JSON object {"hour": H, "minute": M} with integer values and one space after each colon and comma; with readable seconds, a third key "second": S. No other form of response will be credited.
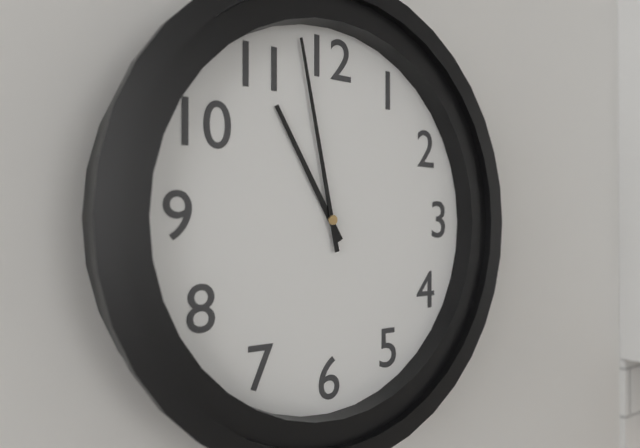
{"hour": 10, "minute": 58}
